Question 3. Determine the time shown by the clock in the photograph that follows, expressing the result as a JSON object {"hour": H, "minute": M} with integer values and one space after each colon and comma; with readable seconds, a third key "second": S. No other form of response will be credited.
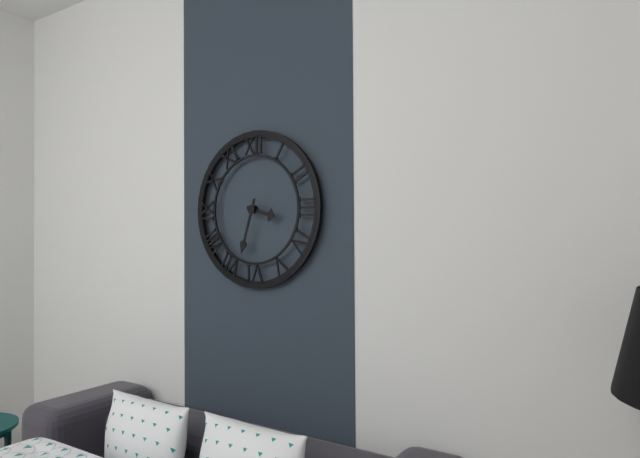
{"hour": 3, "minute": 33}
